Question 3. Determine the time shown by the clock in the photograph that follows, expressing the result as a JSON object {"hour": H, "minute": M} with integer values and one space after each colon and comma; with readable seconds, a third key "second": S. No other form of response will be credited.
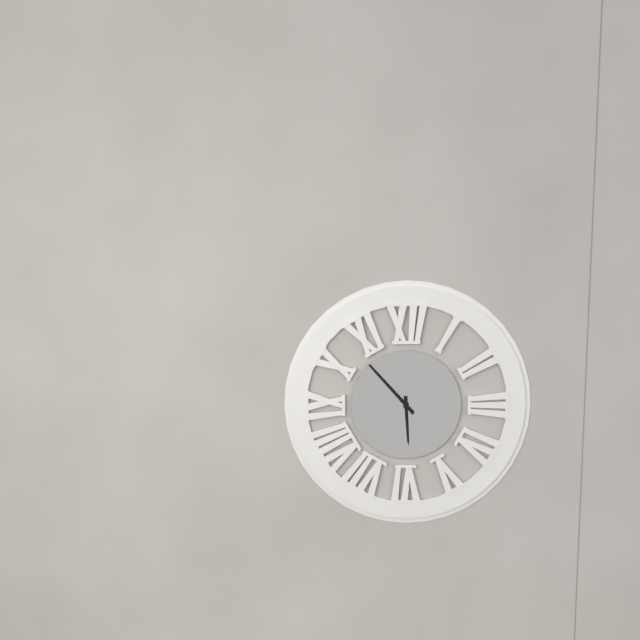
{"hour": 5, "minute": 53}
